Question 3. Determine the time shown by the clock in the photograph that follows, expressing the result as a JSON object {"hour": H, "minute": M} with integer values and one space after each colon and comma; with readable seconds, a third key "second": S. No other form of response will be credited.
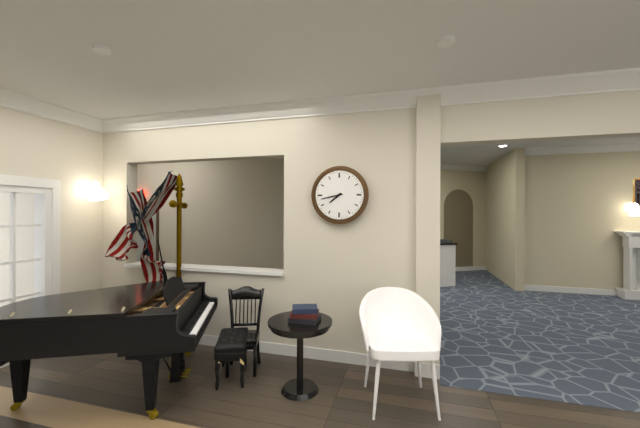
{"hour": 7, "minute": 43}
